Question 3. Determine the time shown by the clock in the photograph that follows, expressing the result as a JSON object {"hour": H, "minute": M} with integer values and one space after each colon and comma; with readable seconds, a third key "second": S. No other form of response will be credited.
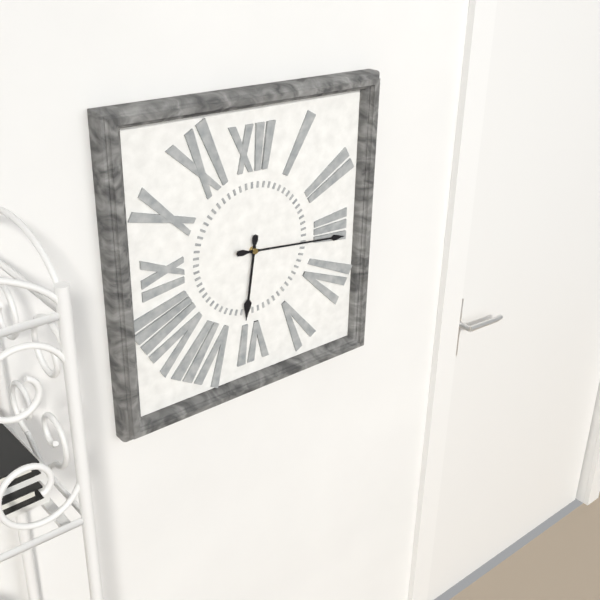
{"hour": 6, "minute": 16}
